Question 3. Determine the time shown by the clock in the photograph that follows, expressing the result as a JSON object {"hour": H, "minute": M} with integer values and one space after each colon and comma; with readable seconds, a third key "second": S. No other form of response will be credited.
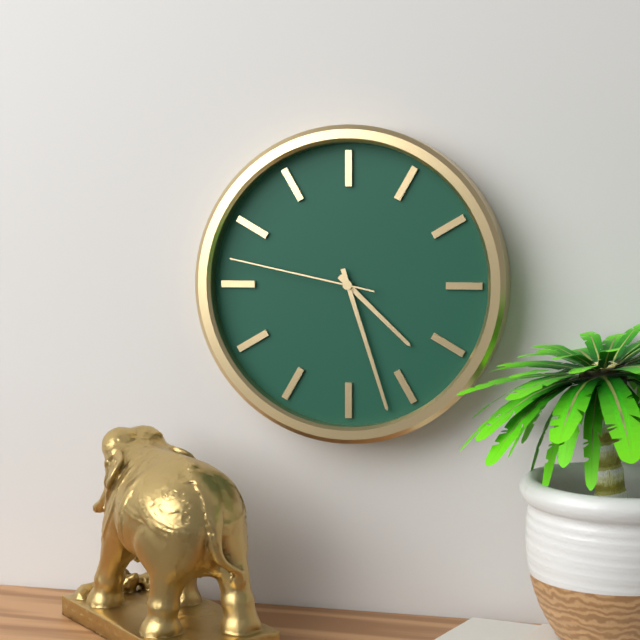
{"hour": 4, "minute": 27, "second": 47}
